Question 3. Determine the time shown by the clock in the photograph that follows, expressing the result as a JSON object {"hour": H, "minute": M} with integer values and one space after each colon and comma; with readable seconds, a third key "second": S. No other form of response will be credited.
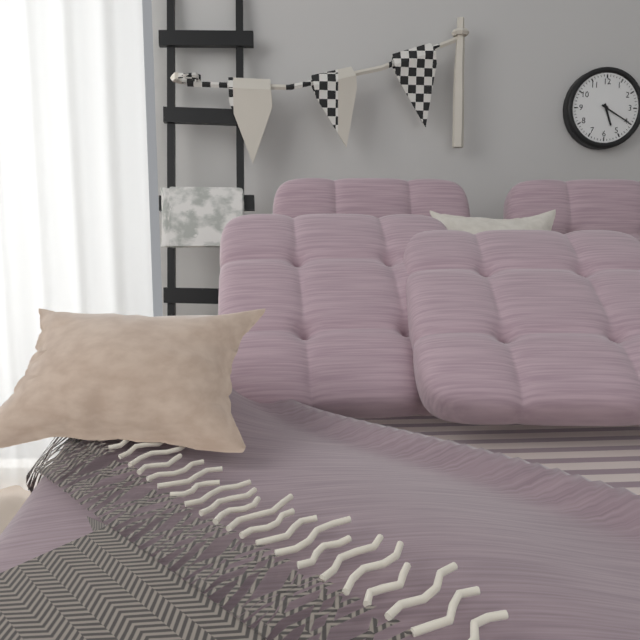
{"hour": 5, "minute": 20}
